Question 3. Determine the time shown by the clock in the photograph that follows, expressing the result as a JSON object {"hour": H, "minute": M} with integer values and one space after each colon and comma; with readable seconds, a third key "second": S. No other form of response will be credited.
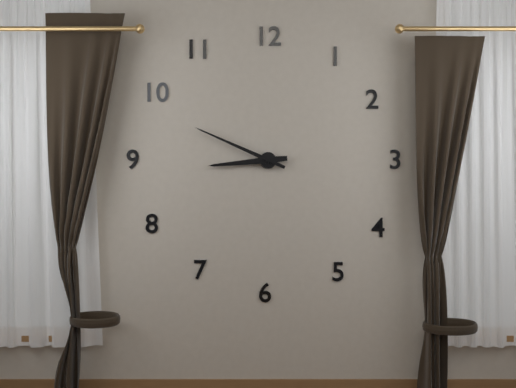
{"hour": 8, "minute": 49}
